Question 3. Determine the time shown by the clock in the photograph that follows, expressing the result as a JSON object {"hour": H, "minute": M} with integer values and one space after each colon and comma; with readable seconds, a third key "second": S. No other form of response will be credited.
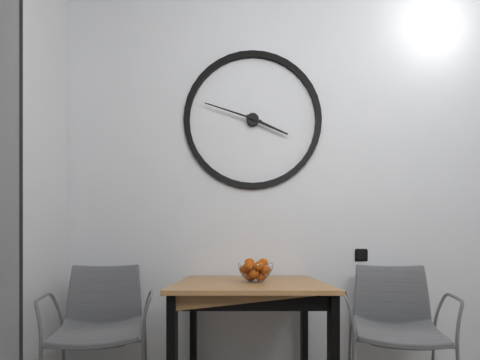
{"hour": 3, "minute": 48}
